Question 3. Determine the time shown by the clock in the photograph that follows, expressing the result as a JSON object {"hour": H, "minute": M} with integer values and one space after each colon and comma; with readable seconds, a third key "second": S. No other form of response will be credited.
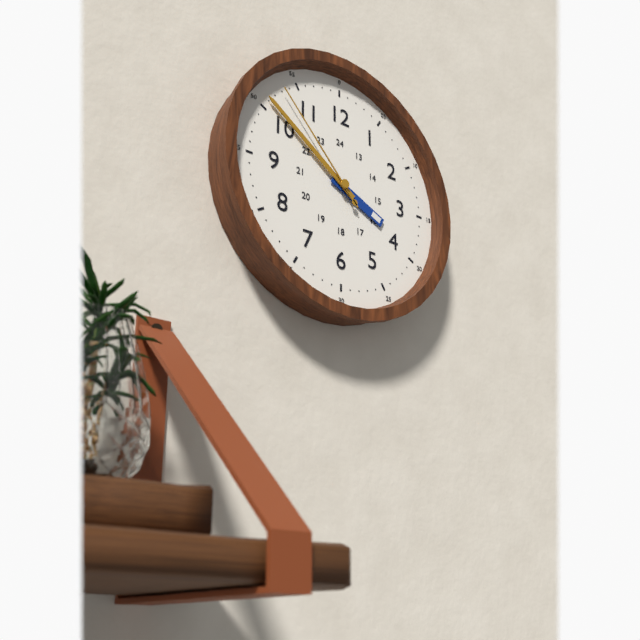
{"hour": 3, "minute": 51, "second": 53}
